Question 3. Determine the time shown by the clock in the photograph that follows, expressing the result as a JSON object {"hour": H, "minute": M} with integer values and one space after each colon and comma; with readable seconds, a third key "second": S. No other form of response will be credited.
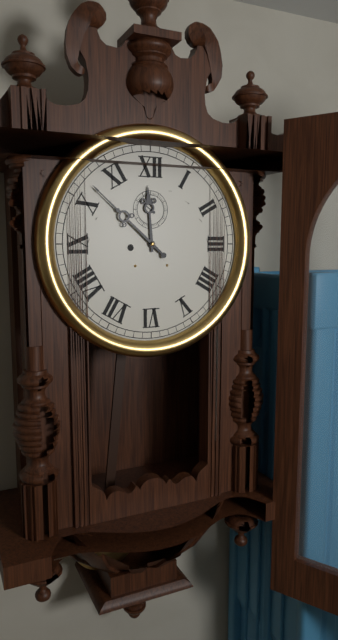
{"hour": 11, "minute": 52}
